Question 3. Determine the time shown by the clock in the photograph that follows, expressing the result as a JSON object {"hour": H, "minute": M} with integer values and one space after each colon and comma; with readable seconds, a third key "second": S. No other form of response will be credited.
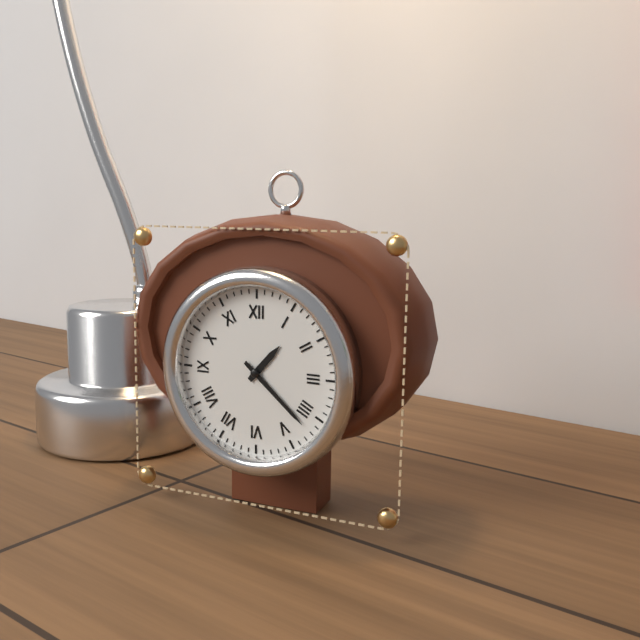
{"hour": 1, "minute": 22}
